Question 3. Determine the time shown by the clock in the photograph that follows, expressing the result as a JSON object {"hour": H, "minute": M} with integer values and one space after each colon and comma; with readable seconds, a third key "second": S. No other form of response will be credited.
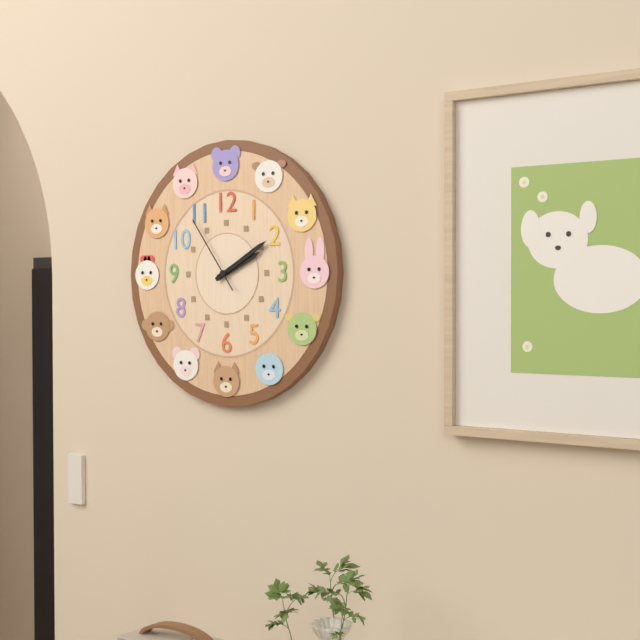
{"hour": 2, "minute": 10, "second": 54}
